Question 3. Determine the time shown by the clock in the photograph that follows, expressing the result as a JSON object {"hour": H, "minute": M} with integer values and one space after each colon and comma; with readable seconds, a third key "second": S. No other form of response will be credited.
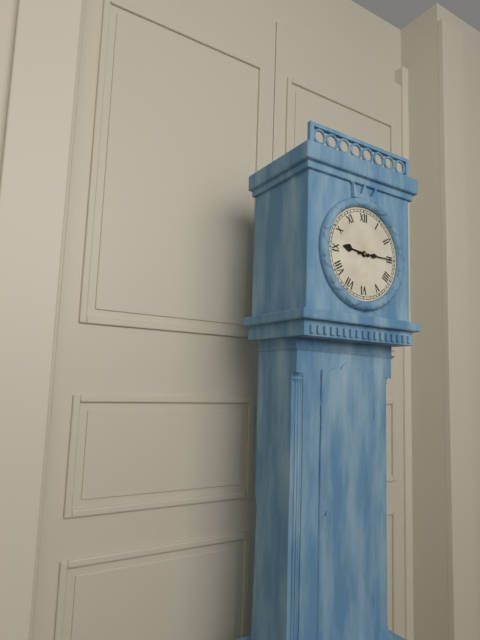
{"hour": 9, "minute": 15}
